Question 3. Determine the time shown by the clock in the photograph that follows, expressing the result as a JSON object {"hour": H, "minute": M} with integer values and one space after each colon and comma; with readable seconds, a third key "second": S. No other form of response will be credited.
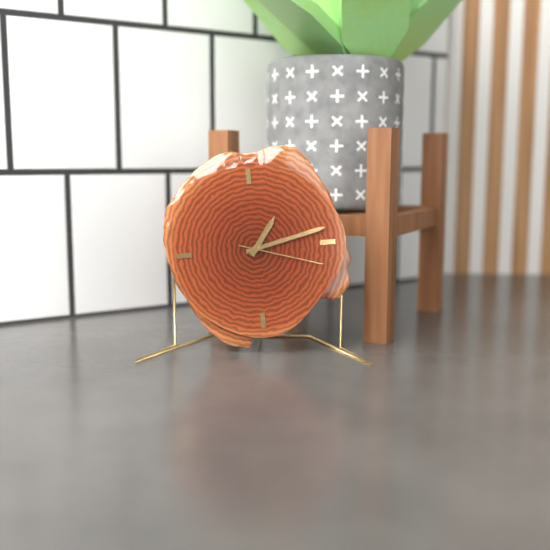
{"hour": 1, "minute": 13, "second": 18}
